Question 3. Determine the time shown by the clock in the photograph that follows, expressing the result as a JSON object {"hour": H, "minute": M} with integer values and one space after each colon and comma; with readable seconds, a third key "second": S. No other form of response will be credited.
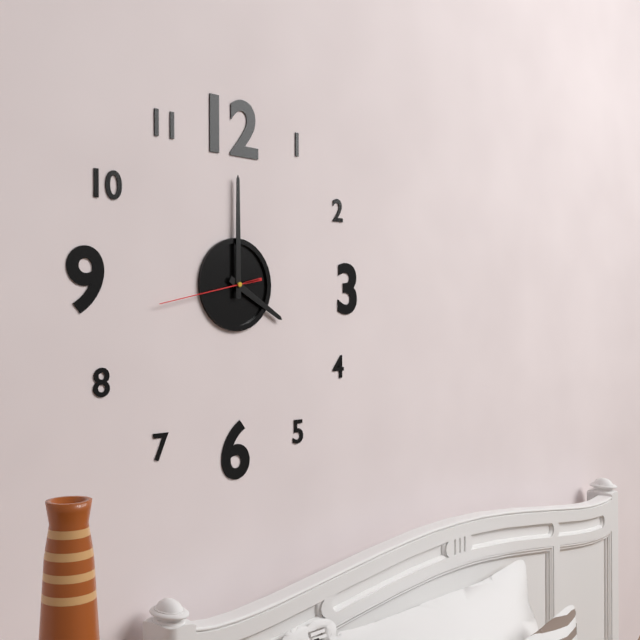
{"hour": 4, "minute": 0, "second": 43}
